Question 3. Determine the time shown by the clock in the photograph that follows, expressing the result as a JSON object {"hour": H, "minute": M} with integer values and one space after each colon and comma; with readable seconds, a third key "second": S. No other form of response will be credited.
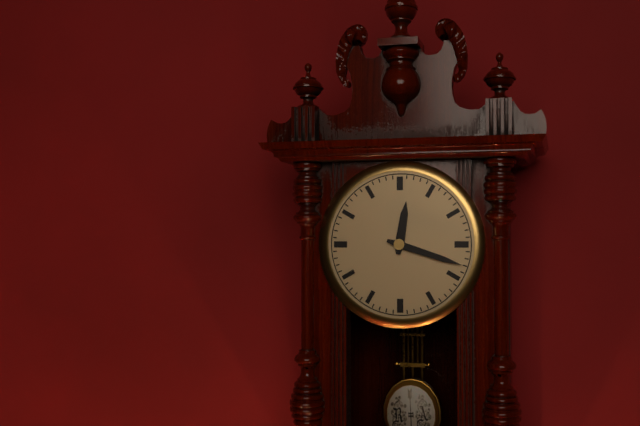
{"hour": 12, "minute": 18}
